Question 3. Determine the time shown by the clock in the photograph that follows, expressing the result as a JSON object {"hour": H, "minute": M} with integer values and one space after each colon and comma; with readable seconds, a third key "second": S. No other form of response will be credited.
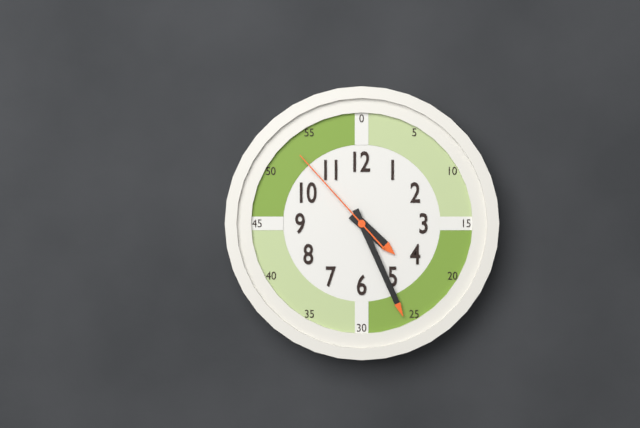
{"hour": 4, "minute": 26, "second": 53}
